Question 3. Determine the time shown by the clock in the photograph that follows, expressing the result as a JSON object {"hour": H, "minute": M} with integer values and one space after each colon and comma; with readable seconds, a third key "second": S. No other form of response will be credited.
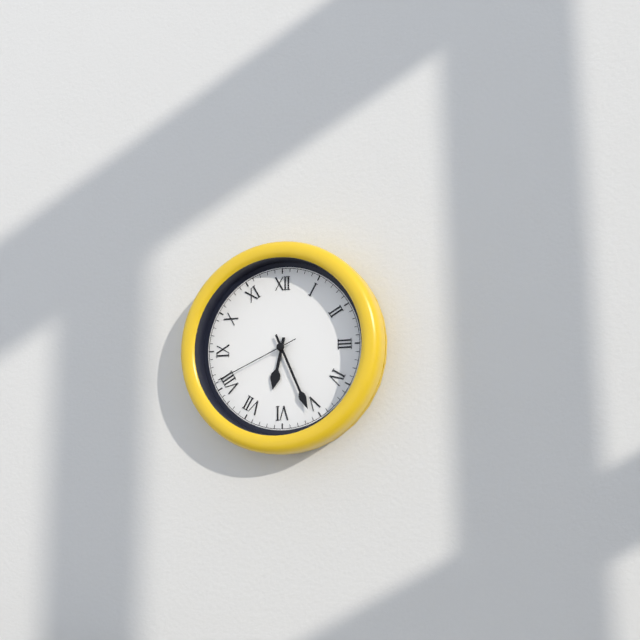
{"hour": 6, "minute": 26, "second": 41}
